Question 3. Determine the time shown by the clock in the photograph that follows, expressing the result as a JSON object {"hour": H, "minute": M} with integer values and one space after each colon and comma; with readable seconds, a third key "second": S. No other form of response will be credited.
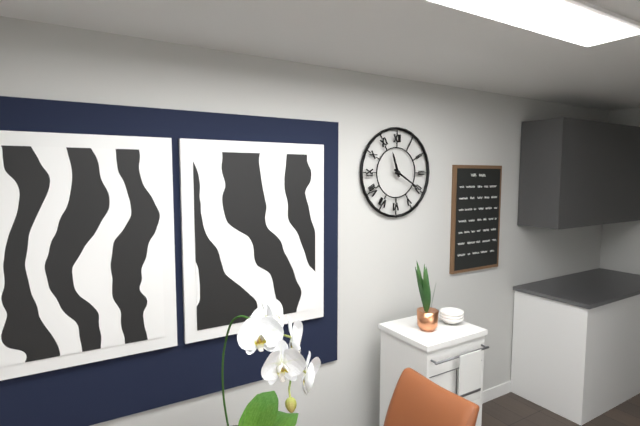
{"hour": 11, "minute": 20}
